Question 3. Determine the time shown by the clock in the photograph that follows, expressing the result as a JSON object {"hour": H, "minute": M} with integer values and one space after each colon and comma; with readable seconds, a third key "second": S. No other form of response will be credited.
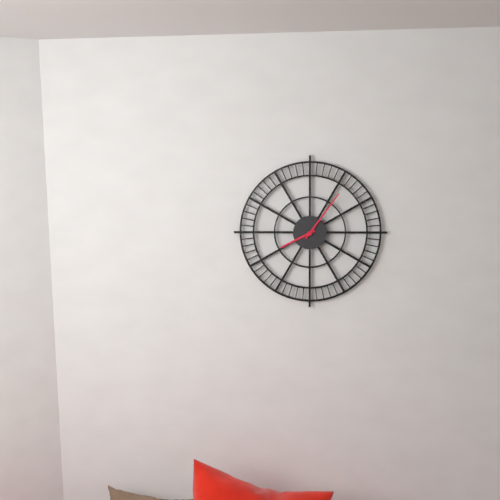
{"hour": 8, "minute": 6}
